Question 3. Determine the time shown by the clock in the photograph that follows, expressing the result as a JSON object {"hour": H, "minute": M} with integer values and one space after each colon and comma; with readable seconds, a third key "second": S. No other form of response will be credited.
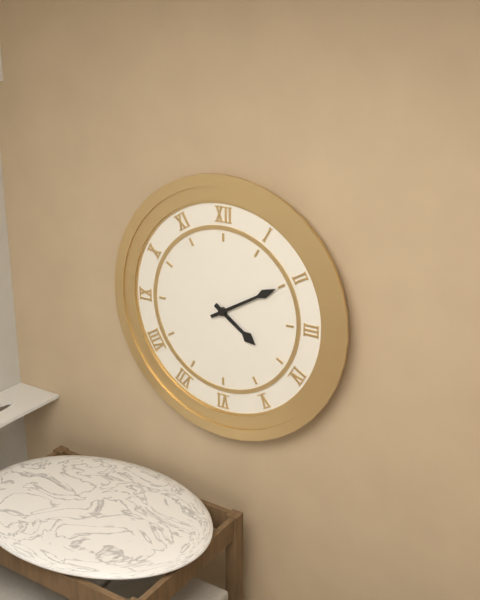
{"hour": 4, "minute": 10}
